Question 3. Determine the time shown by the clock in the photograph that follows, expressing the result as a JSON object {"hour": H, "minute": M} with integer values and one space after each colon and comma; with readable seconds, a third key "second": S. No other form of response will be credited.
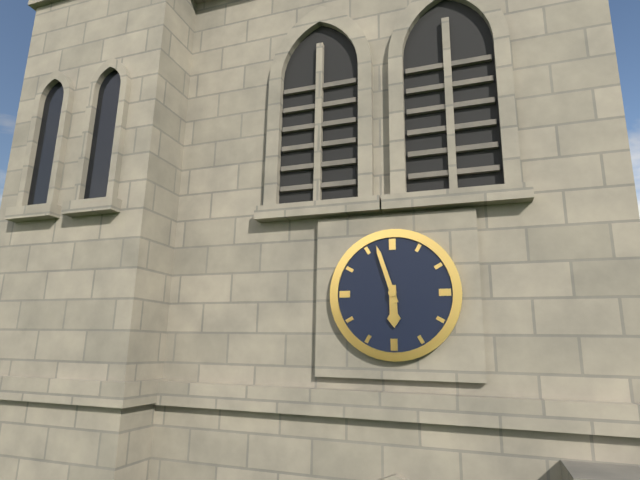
{"hour": 5, "minute": 57}
